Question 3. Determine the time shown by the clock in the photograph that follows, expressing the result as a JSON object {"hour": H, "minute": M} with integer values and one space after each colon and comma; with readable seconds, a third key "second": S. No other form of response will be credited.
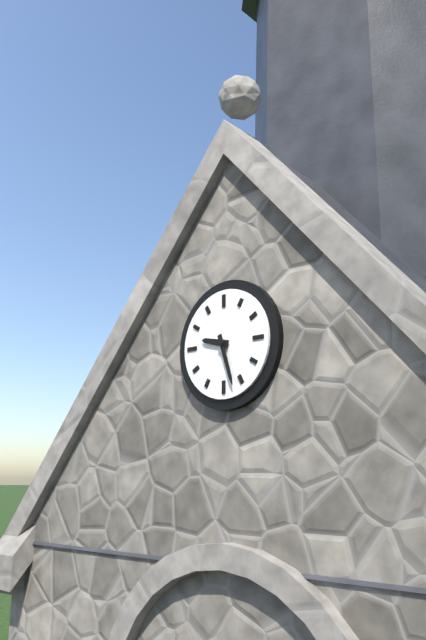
{"hour": 9, "minute": 27}
